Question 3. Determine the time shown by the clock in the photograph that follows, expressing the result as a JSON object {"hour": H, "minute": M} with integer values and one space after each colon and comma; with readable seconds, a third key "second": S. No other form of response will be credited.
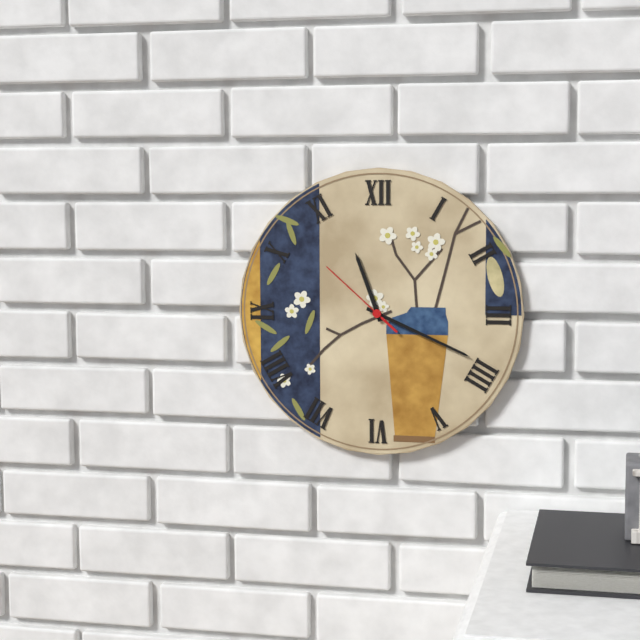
{"hour": 11, "minute": 19, "second": 52}
